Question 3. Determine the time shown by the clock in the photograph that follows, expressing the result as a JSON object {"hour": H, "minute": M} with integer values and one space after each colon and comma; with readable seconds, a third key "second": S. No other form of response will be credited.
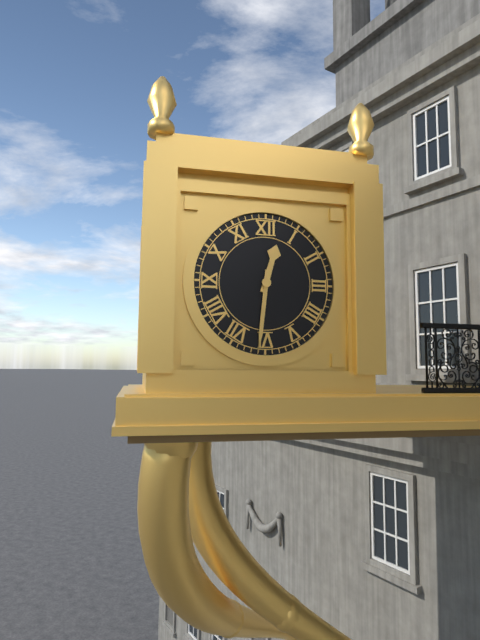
{"hour": 12, "minute": 31}
